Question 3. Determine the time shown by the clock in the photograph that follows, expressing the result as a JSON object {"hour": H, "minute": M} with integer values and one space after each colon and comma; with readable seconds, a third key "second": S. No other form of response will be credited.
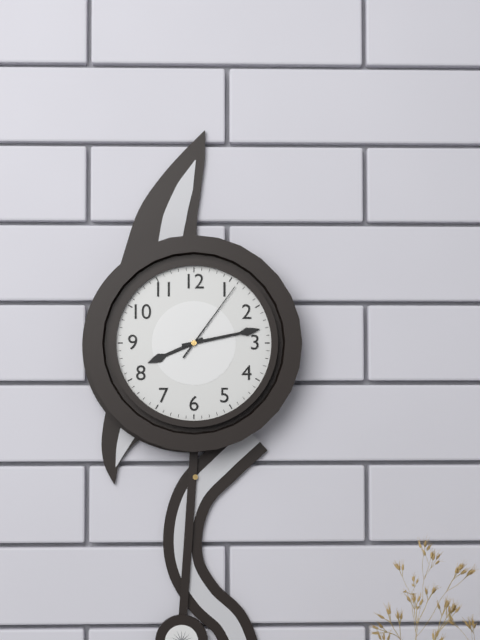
{"hour": 8, "minute": 13, "second": 6}
